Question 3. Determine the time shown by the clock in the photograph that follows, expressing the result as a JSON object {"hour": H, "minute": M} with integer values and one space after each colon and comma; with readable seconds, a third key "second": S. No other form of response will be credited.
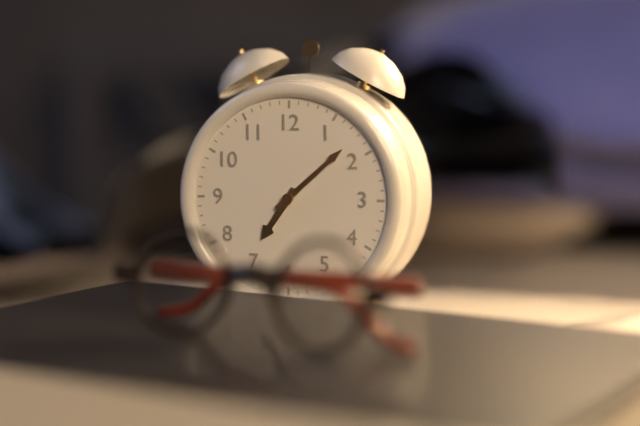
{"hour": 7, "minute": 8}
